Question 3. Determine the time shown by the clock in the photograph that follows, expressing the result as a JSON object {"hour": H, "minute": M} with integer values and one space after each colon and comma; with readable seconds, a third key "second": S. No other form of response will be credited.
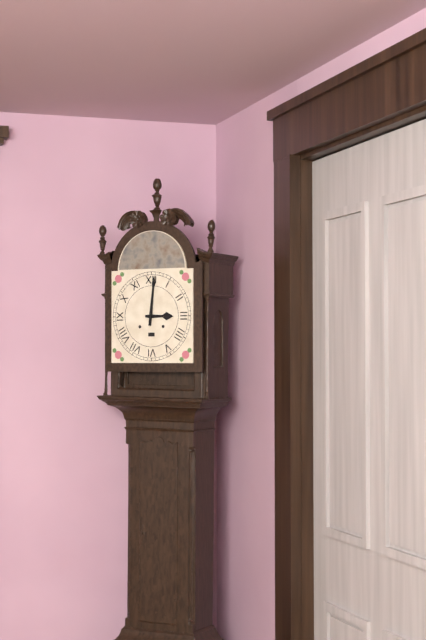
{"hour": 3, "minute": 1}
